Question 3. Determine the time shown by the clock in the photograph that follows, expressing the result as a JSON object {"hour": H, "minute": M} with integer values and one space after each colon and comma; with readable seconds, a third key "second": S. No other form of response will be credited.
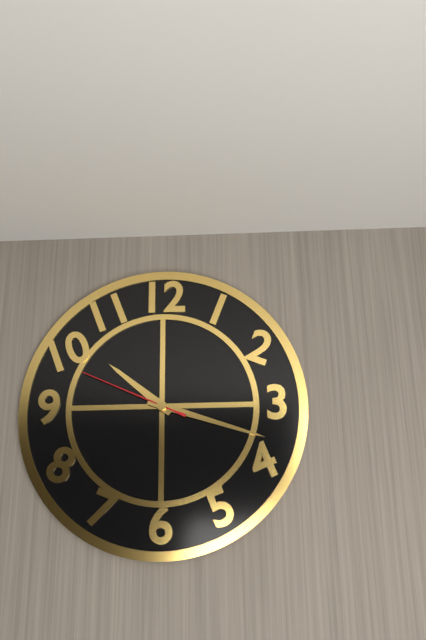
{"hour": 10, "minute": 18, "second": 49}
